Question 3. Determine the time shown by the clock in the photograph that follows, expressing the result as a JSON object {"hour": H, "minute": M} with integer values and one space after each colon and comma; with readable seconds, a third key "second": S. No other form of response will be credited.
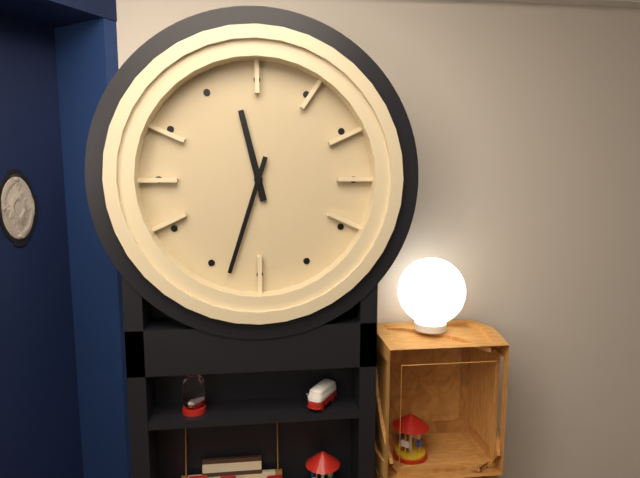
{"hour": 11, "minute": 33}
